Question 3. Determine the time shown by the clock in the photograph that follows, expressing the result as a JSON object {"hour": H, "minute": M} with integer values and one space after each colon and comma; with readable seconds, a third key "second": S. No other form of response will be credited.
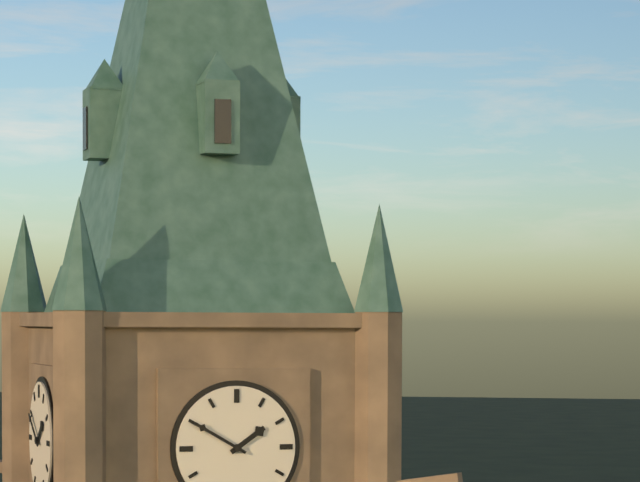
{"hour": 1, "minute": 50}
